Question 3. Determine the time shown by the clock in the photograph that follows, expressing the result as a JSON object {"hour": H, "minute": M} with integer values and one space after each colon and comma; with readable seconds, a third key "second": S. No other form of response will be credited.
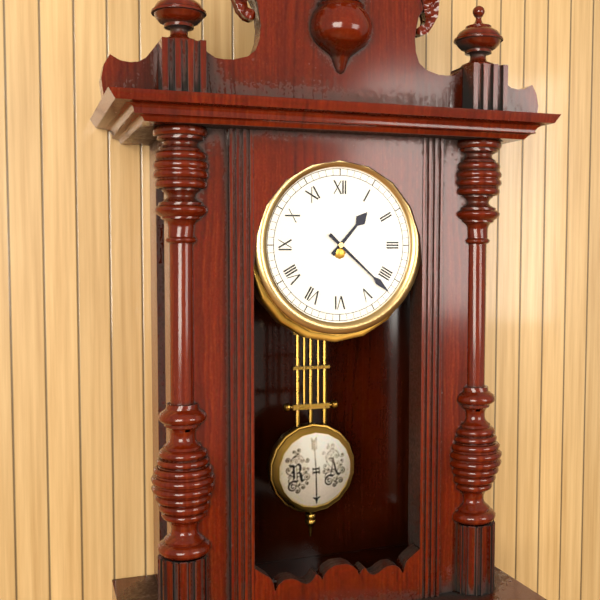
{"hour": 1, "minute": 22}
